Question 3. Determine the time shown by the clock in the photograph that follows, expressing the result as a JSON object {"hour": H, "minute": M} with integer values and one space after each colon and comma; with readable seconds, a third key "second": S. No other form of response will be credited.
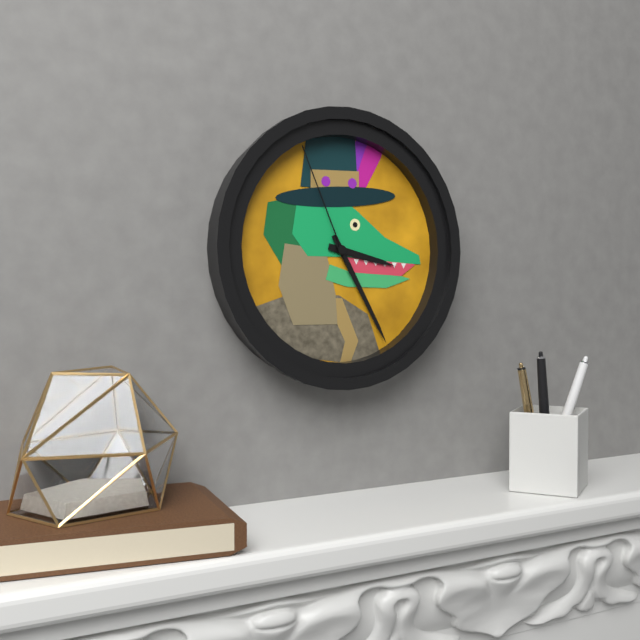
{"hour": 3, "minute": 25, "second": 56}
